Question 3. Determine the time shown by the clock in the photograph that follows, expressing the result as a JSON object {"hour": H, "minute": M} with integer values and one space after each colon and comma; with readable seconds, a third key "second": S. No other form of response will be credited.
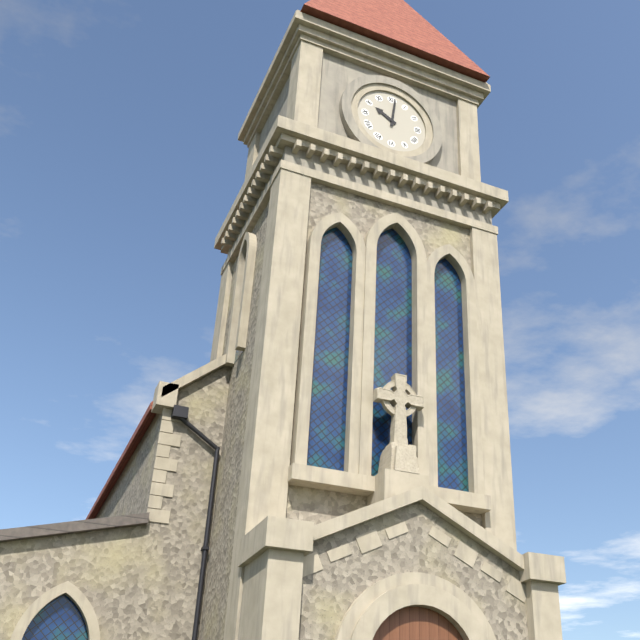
{"hour": 10, "minute": 1}
